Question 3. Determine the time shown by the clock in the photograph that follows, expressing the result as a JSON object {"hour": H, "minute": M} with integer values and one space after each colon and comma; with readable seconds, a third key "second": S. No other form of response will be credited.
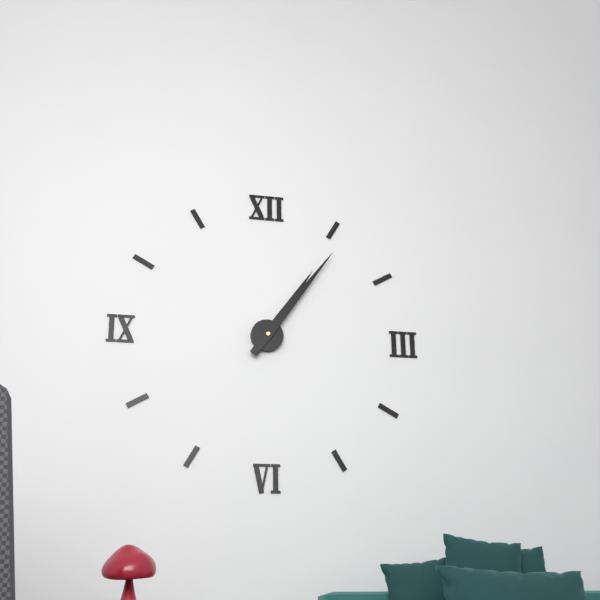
{"hour": 1, "minute": 6}
